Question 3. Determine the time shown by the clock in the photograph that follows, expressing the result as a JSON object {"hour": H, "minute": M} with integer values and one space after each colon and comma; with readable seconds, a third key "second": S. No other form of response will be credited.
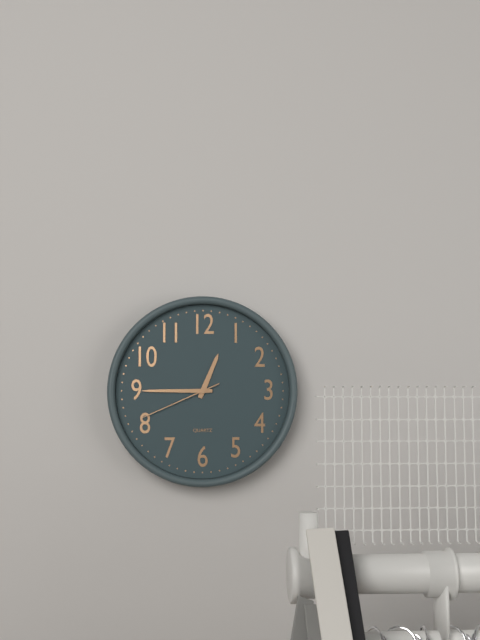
{"hour": 12, "minute": 45, "second": 41}
